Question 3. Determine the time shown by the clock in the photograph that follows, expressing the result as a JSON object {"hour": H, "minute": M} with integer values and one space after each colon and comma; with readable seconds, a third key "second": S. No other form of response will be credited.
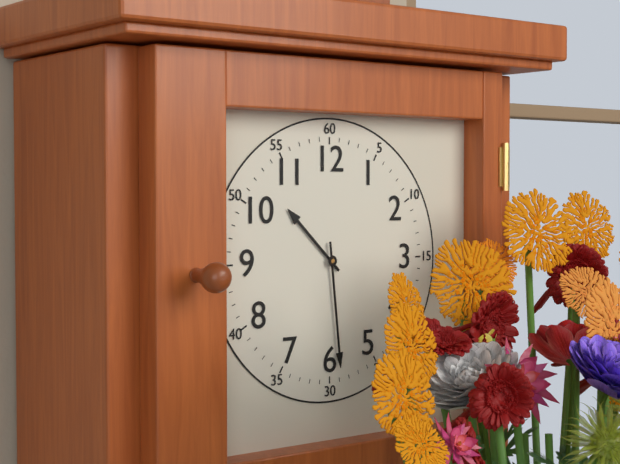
{"hour": 10, "minute": 29}
